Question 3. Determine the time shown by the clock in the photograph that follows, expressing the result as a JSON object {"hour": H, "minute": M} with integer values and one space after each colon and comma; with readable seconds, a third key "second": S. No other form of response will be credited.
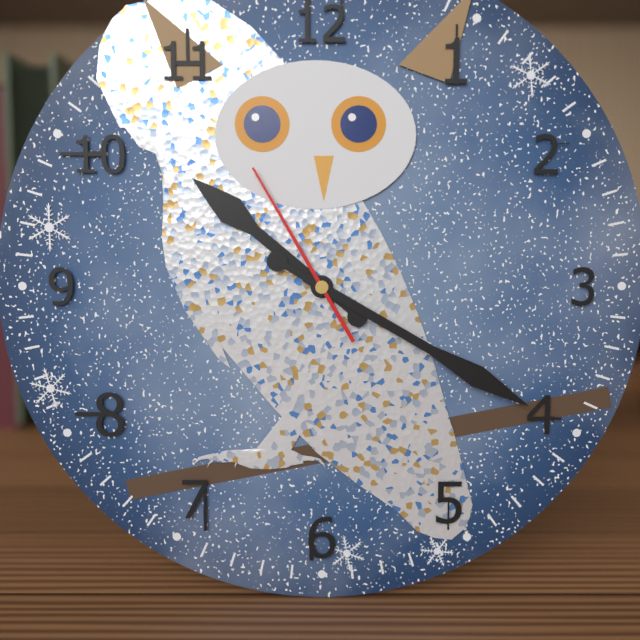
{"hour": 10, "minute": 20, "second": 55}
